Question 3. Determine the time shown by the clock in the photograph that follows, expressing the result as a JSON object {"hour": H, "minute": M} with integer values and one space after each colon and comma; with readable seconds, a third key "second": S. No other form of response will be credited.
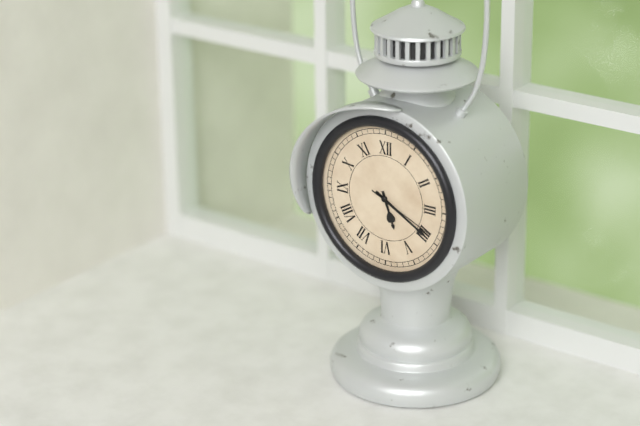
{"hour": 5, "minute": 20, "second": 19}
